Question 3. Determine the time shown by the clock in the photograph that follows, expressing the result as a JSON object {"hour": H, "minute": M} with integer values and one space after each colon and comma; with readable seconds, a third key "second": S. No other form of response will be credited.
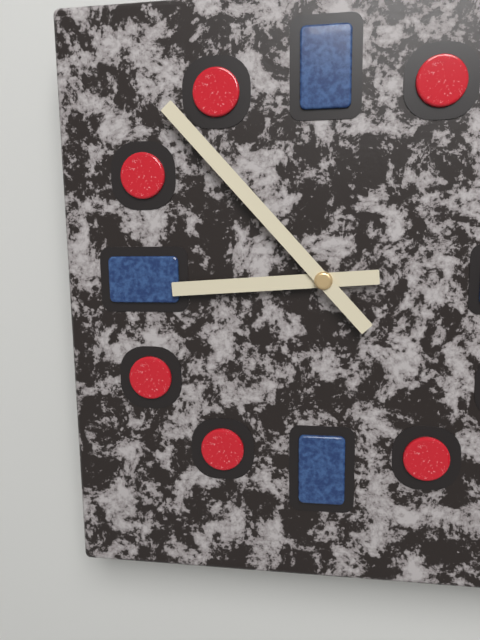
{"hour": 8, "minute": 53}
